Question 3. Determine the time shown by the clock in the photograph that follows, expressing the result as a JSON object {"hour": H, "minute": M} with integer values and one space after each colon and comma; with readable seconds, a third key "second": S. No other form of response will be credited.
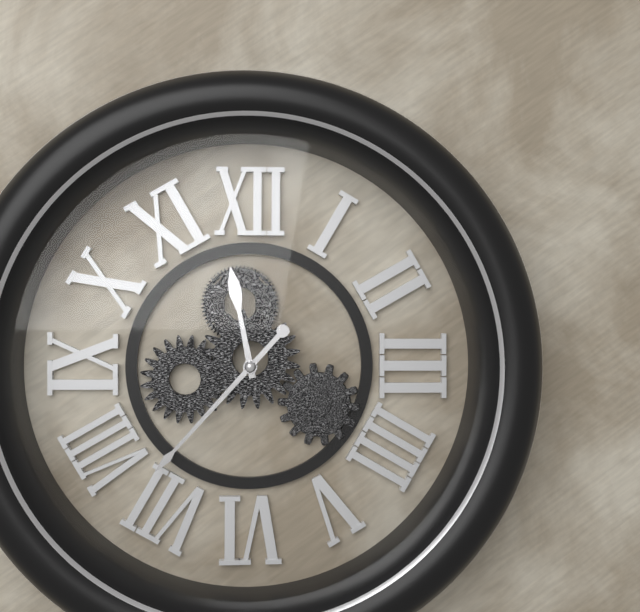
{"hour": 11, "minute": 37}
